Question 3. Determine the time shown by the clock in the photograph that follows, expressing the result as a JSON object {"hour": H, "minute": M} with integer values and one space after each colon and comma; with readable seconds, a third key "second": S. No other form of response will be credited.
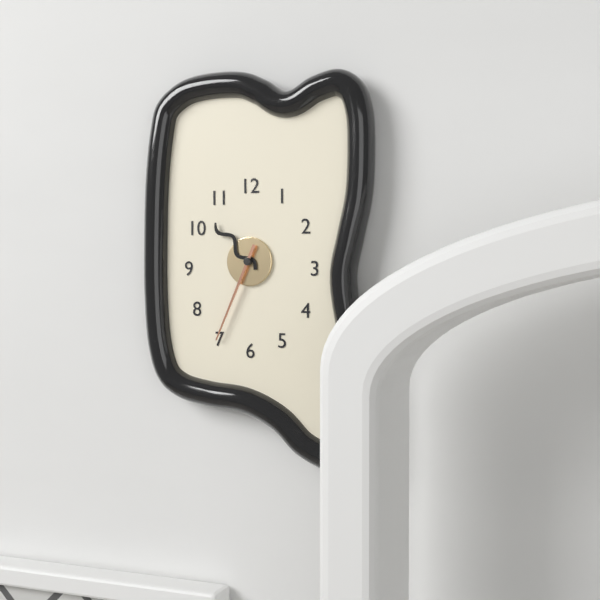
{"hour": 10, "minute": 34}
